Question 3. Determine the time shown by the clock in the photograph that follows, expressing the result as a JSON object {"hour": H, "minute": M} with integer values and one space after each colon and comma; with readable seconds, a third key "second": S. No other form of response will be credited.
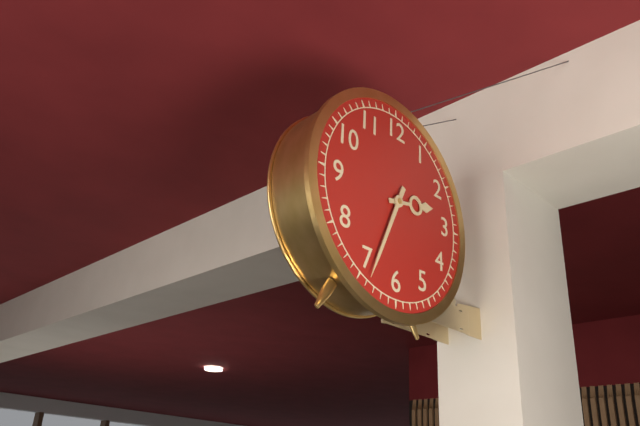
{"hour": 2, "minute": 34}
